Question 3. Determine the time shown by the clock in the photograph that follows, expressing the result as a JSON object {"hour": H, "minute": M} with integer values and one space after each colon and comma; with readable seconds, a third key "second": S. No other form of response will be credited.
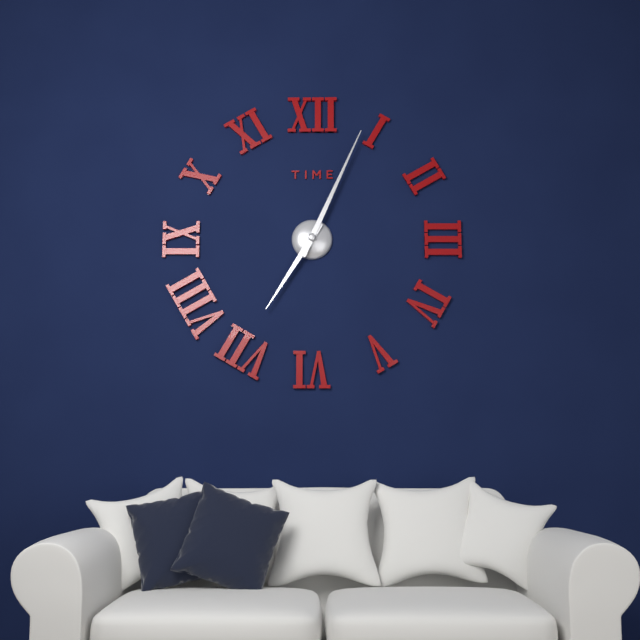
{"hour": 7, "minute": 4}
